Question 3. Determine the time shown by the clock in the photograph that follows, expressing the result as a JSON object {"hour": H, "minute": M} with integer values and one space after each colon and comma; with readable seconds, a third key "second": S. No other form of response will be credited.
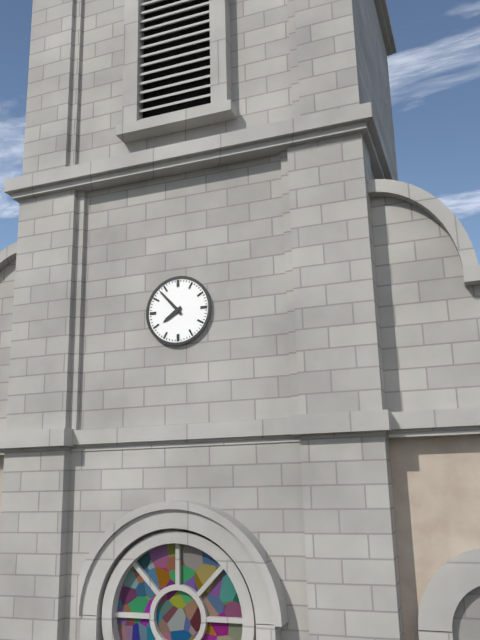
{"hour": 7, "minute": 53}
